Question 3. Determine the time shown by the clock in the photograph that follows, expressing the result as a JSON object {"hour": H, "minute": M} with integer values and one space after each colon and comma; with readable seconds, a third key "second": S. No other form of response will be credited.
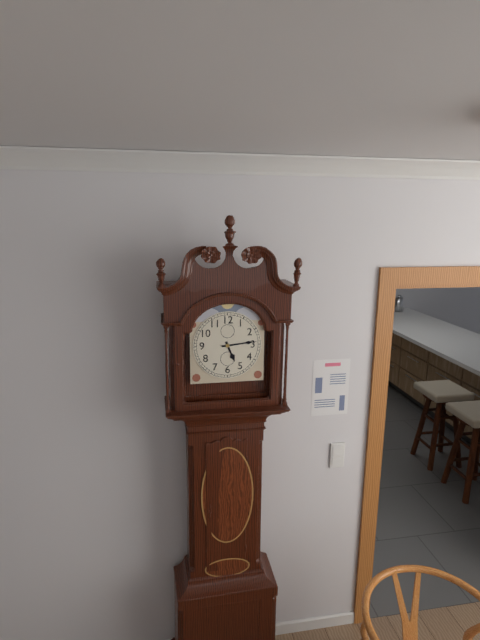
{"hour": 5, "minute": 14}
